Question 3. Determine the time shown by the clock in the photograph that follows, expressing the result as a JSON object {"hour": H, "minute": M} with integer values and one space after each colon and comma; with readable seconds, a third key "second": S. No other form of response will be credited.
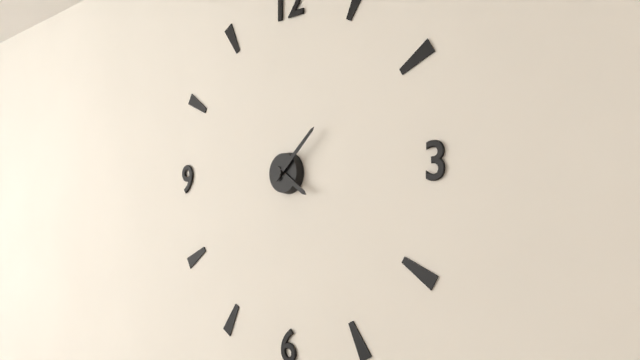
{"hour": 4, "minute": 8}
